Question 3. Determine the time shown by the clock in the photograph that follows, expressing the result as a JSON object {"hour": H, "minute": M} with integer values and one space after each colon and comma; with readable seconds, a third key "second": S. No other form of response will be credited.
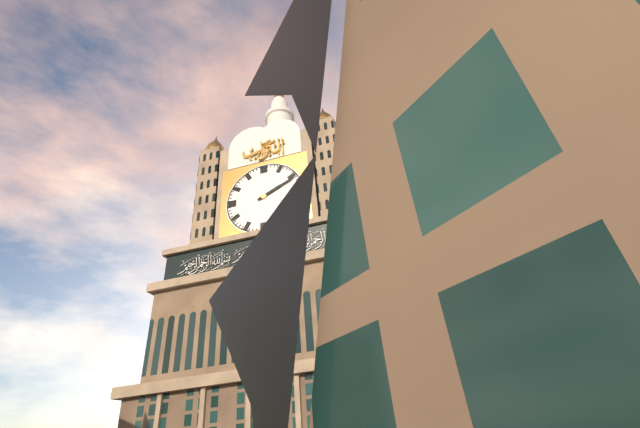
{"hour": 2, "minute": 11}
